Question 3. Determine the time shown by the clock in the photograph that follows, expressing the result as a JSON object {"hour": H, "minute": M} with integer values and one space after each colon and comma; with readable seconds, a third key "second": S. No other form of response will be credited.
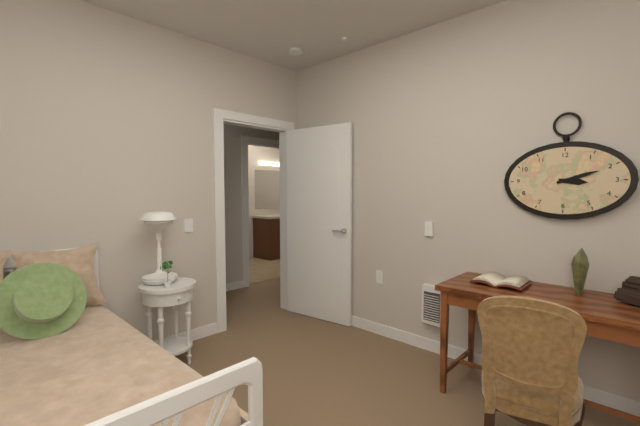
{"hour": 3, "minute": 12}
